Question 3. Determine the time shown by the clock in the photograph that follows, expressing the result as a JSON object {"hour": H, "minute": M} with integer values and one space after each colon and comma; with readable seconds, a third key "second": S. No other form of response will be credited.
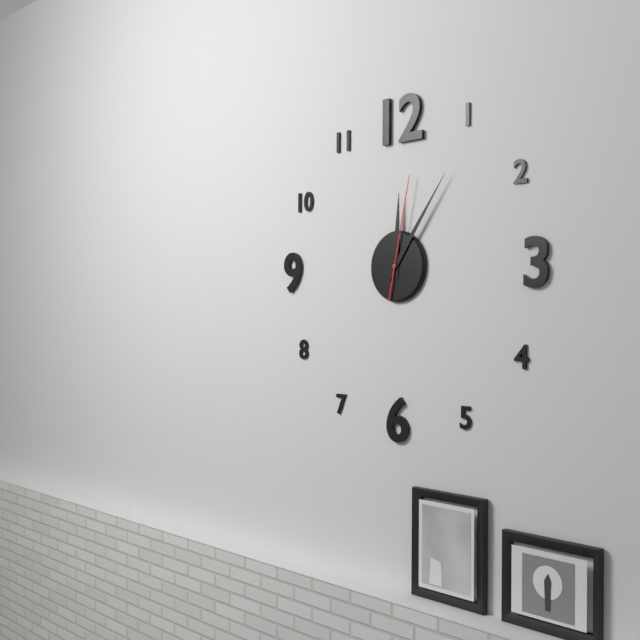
{"hour": 12, "minute": 6, "second": 2}
